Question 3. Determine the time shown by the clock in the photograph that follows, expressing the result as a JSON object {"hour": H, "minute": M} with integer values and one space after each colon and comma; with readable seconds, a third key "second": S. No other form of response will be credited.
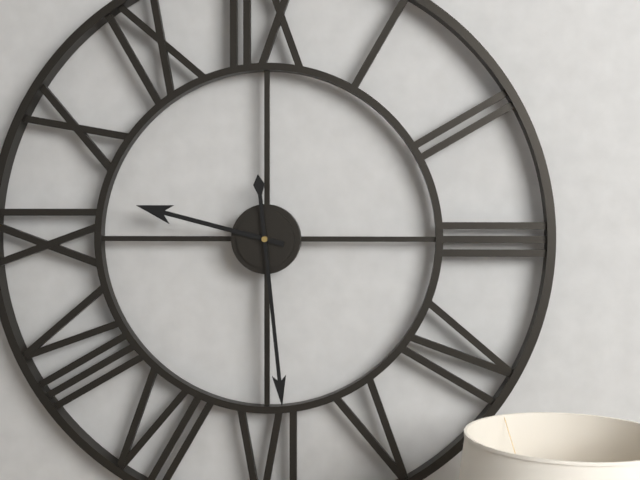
{"hour": 9, "minute": 29}
